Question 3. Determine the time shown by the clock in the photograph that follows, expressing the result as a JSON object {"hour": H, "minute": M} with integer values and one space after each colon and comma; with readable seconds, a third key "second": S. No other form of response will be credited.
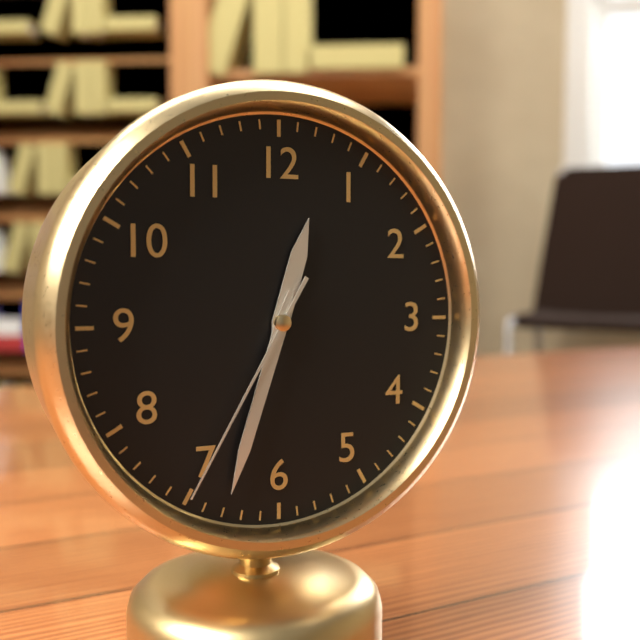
{"hour": 12, "minute": 33, "second": 35}
